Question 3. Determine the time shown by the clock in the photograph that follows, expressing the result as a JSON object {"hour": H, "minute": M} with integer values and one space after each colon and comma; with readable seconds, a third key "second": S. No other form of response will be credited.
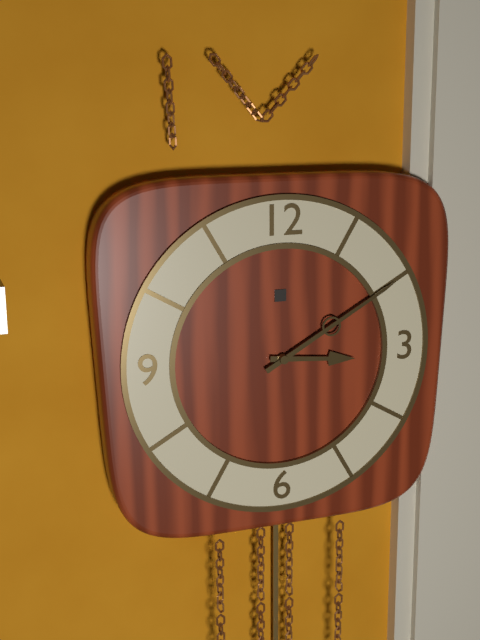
{"hour": 3, "minute": 10}
